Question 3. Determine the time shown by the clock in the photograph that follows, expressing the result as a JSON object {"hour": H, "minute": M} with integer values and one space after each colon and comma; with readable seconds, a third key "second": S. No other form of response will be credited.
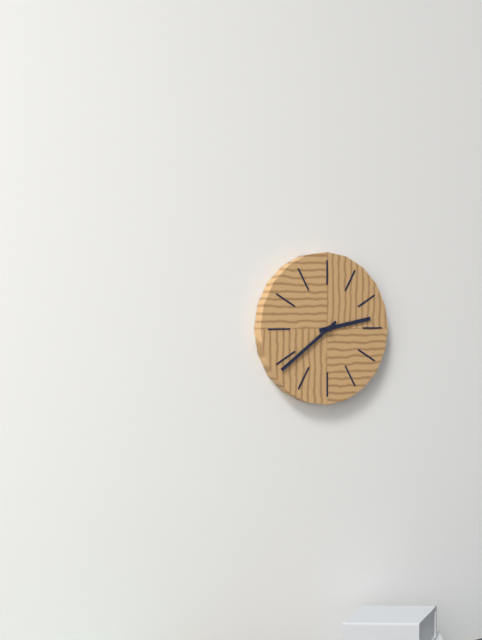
{"hour": 2, "minute": 39}
